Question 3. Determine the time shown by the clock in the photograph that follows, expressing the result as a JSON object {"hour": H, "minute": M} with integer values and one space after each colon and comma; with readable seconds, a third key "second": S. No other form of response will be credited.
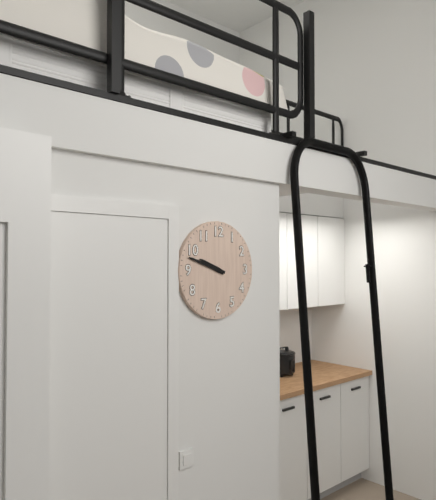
{"hour": 9, "minute": 48}
